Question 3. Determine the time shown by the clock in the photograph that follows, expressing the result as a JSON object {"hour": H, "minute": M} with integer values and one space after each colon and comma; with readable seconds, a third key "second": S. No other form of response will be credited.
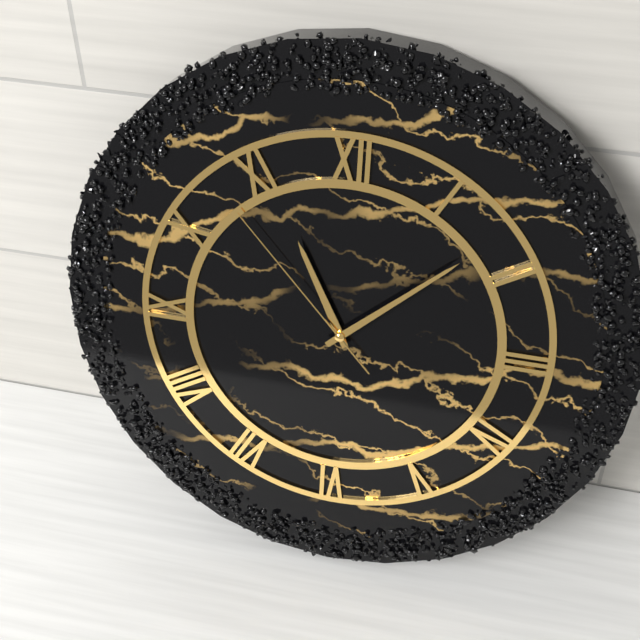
{"hour": 11, "minute": 8, "second": 53}
